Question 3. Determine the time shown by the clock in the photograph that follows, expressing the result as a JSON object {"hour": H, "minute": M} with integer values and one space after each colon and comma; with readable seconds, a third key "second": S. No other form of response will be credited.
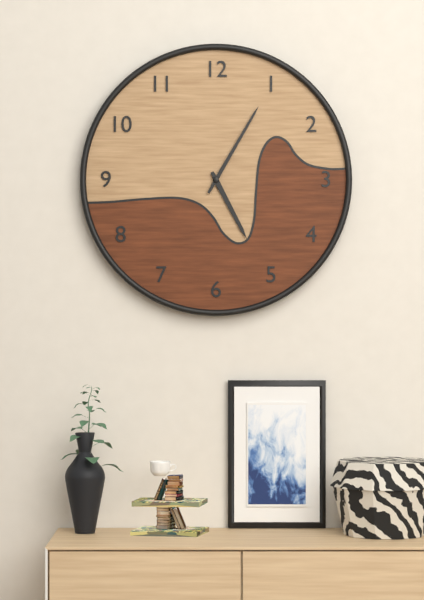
{"hour": 5, "minute": 5}
